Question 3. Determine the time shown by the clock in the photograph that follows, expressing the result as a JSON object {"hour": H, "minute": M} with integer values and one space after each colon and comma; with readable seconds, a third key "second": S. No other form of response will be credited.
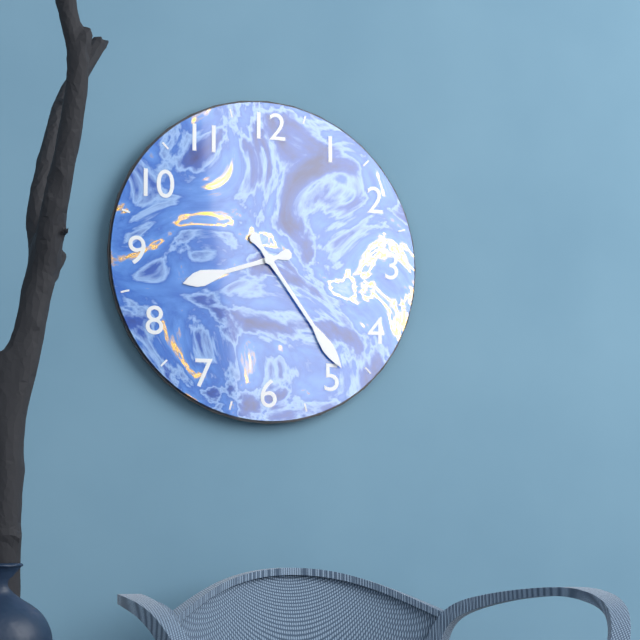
{"hour": 8, "minute": 24}
